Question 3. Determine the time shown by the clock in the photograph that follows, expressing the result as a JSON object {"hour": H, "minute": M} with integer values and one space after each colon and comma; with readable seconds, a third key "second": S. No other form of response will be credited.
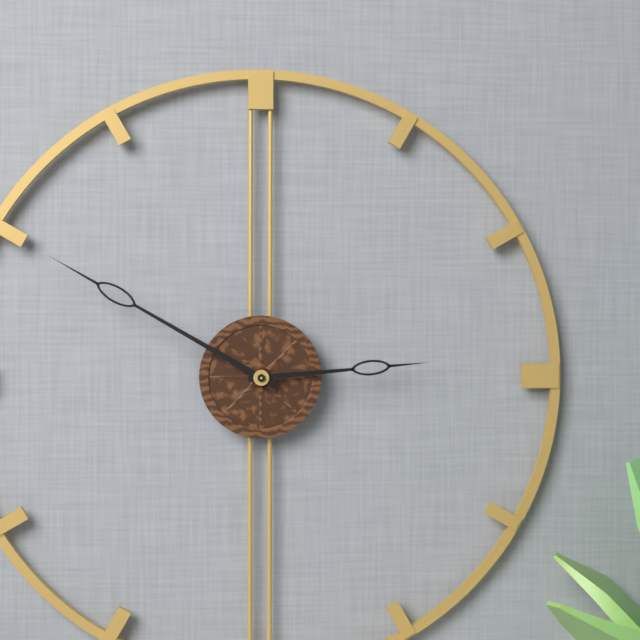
{"hour": 2, "minute": 50}
